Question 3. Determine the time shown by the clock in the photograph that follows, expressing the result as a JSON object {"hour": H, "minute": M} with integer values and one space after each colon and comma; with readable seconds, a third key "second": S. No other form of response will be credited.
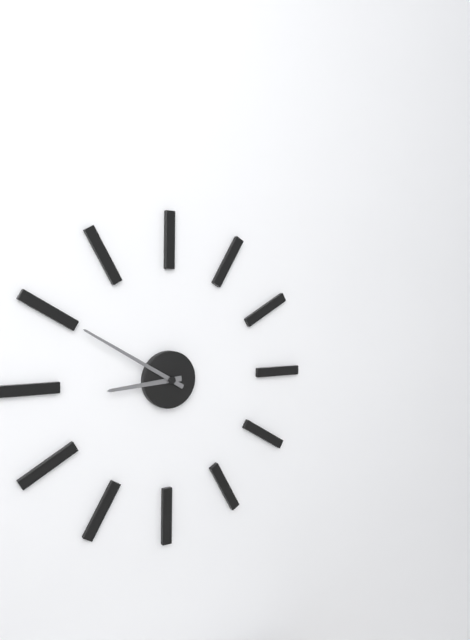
{"hour": 8, "minute": 50}
